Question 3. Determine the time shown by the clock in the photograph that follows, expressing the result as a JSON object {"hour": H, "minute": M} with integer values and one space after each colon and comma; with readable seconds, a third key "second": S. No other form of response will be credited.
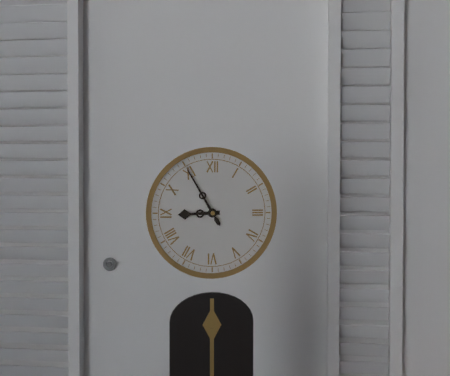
{"hour": 8, "minute": 55}
